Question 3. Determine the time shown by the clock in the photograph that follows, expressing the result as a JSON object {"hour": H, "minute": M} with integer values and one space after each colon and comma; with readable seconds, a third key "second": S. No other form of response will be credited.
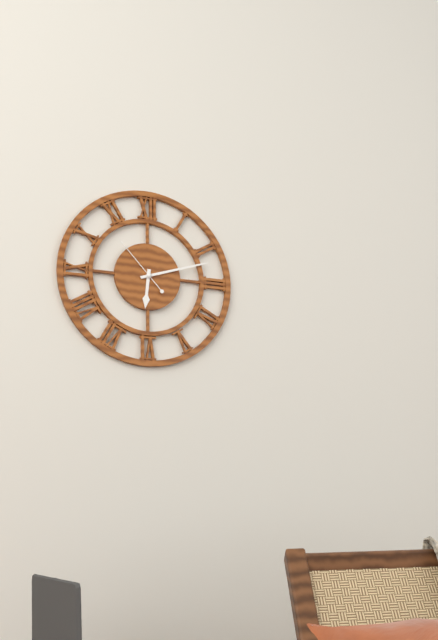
{"hour": 6, "minute": 12, "second": 53}
